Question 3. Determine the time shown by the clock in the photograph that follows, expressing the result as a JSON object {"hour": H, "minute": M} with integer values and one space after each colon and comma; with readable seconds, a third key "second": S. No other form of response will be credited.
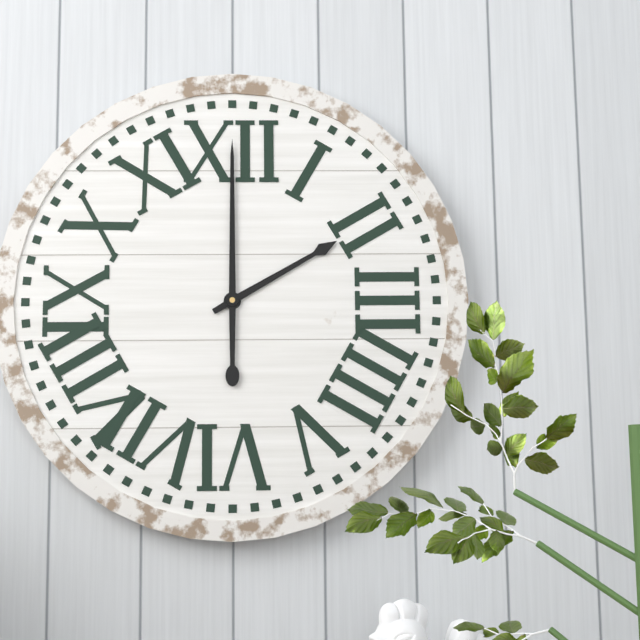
{"hour": 2, "minute": 0}
